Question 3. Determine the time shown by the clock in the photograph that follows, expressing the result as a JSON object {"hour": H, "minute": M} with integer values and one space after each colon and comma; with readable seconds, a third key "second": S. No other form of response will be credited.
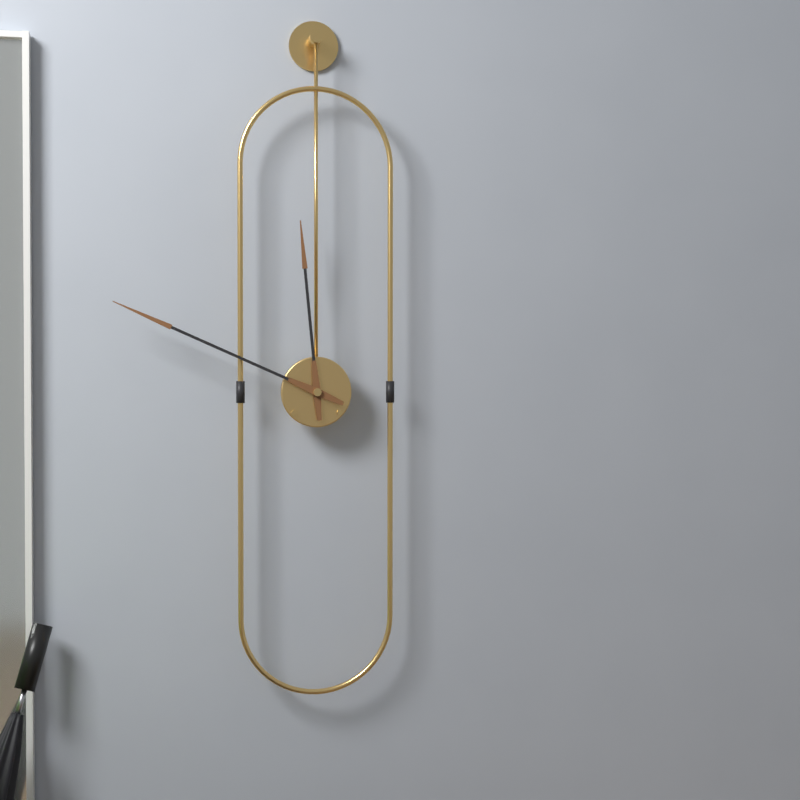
{"hour": 11, "minute": 49}
